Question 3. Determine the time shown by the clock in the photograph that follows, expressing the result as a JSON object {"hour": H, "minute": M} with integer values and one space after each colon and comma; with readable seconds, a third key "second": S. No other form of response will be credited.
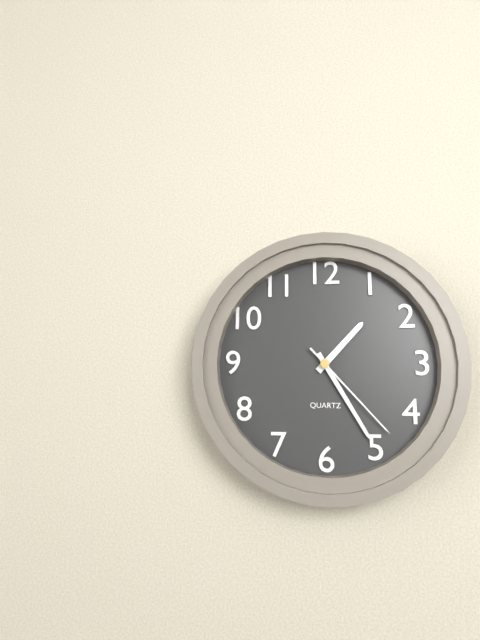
{"hour": 1, "minute": 25, "second": 23}
